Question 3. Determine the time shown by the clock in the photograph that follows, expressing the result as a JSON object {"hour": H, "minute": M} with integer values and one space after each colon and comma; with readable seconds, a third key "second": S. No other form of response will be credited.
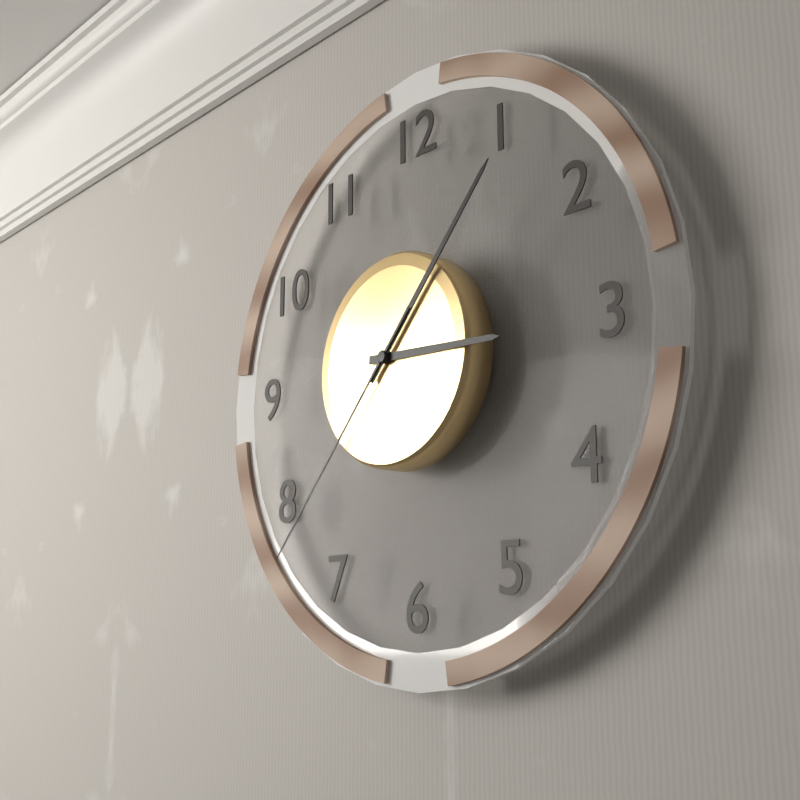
{"hour": 3, "minute": 7, "second": 37}
